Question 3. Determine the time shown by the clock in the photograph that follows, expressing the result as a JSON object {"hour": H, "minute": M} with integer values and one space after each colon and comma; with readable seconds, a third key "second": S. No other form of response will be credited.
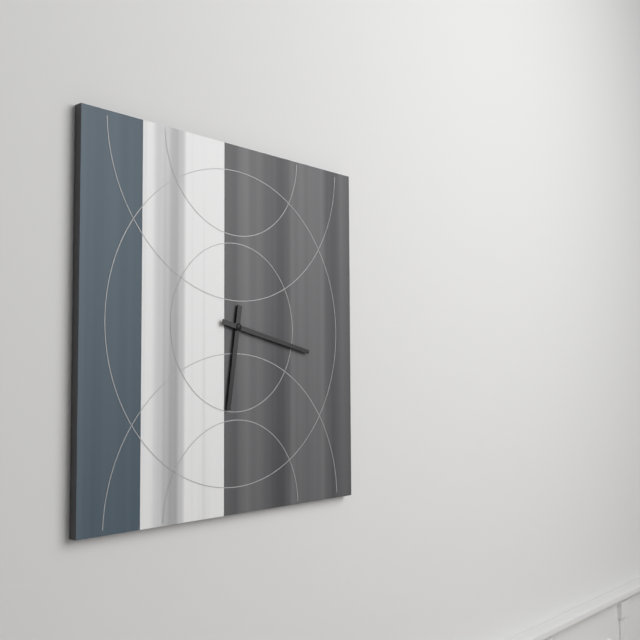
{"hour": 6, "minute": 17}
